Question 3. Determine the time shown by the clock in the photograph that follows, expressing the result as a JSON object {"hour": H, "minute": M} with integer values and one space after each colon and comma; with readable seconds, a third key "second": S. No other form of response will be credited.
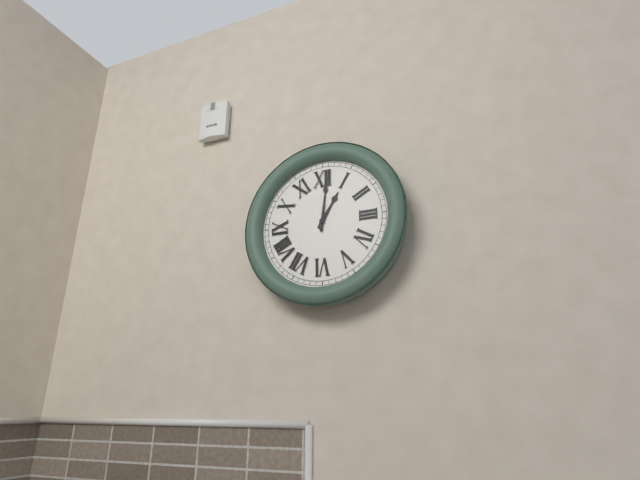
{"hour": 1, "minute": 1}
